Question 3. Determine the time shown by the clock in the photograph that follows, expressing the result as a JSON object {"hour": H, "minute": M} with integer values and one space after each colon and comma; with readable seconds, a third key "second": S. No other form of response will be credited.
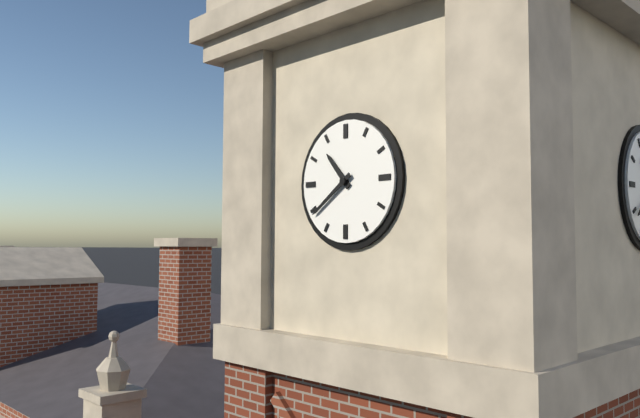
{"hour": 10, "minute": 39}
